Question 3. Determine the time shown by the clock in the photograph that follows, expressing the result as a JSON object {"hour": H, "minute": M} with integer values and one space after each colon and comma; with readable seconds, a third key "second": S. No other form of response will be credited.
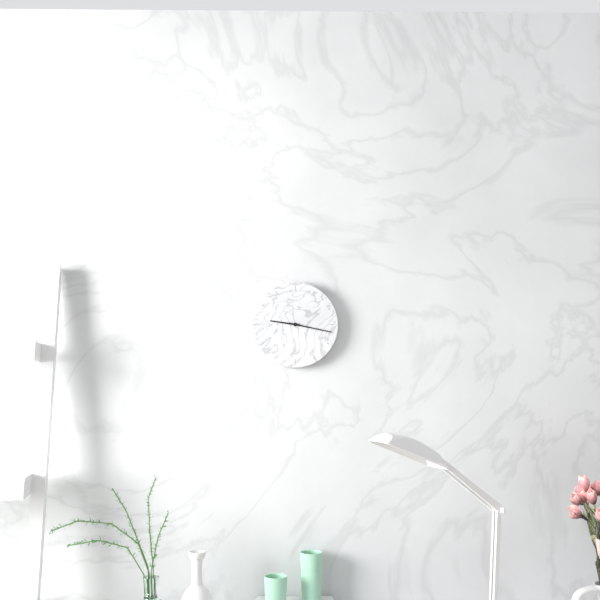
{"hour": 9, "minute": 17}
